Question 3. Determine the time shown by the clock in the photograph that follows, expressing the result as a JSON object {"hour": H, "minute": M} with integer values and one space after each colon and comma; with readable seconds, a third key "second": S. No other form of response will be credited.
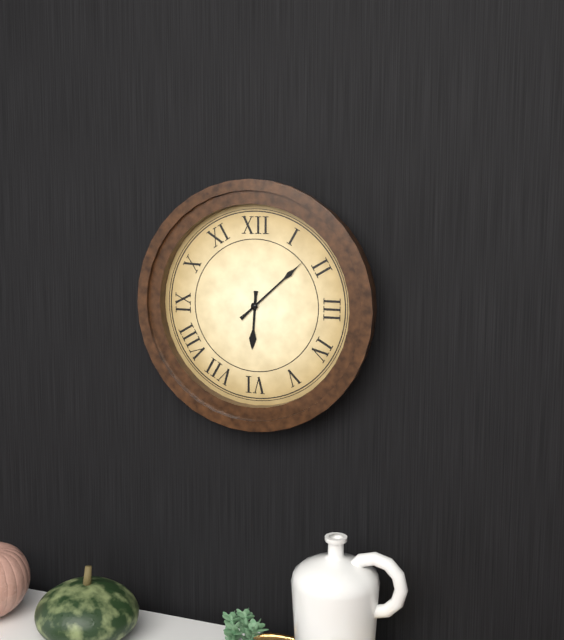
{"hour": 6, "minute": 8}
